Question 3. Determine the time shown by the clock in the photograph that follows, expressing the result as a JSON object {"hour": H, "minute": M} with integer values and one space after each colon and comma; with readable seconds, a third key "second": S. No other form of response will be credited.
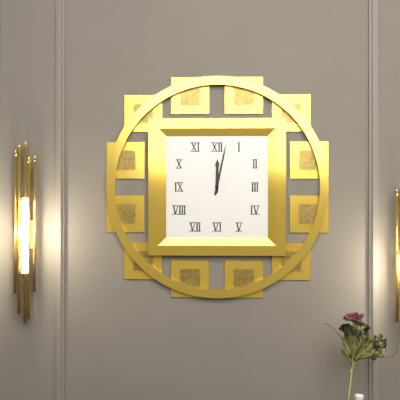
{"hour": 12, "minute": 2}
